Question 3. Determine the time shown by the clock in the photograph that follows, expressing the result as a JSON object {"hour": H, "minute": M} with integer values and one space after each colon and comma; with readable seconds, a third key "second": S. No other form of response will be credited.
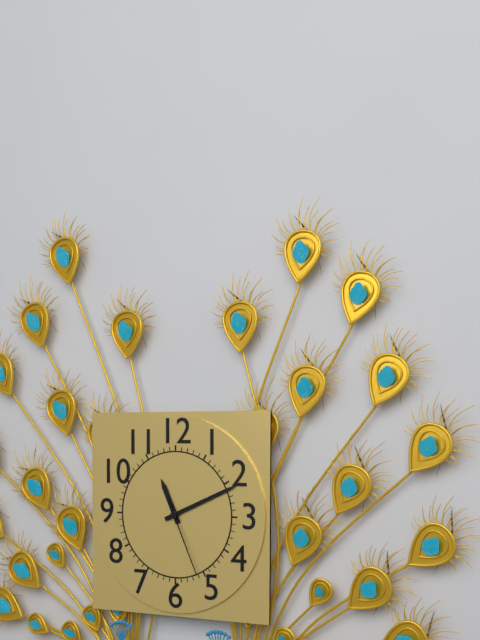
{"hour": 11, "minute": 11, "second": 26}
